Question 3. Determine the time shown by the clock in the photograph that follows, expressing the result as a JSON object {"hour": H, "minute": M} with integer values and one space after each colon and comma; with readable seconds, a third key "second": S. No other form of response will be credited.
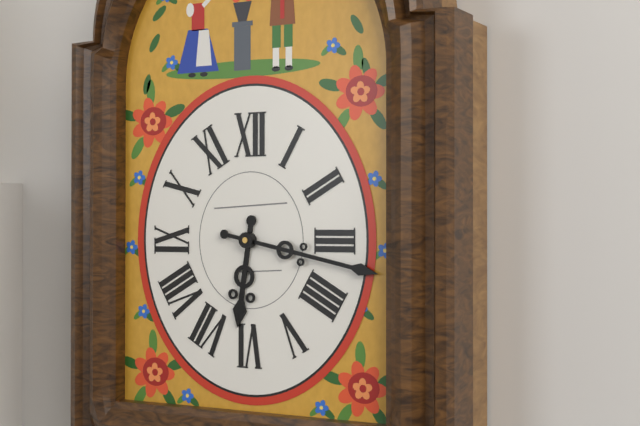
{"hour": 6, "minute": 17}
